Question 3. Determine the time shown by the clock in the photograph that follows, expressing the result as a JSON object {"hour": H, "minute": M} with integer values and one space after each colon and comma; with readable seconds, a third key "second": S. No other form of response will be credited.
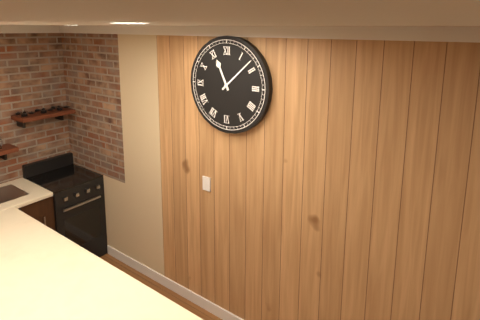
{"hour": 11, "minute": 8}
